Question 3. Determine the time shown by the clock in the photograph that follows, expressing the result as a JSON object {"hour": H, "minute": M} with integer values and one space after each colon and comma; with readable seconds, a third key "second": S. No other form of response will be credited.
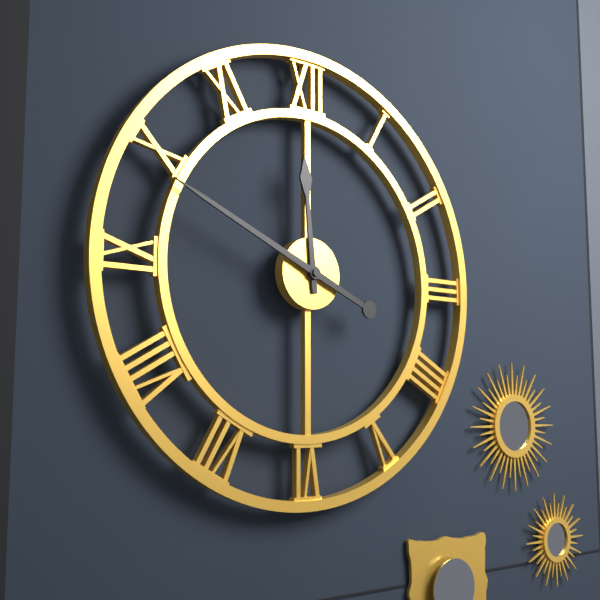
{"hour": 11, "minute": 49}
